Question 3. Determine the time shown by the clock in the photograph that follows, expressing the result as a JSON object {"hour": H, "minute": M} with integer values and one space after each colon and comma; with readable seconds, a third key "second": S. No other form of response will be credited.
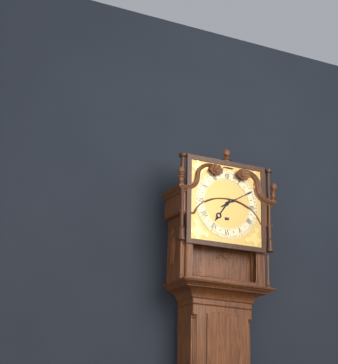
{"hour": 7, "minute": 10}
